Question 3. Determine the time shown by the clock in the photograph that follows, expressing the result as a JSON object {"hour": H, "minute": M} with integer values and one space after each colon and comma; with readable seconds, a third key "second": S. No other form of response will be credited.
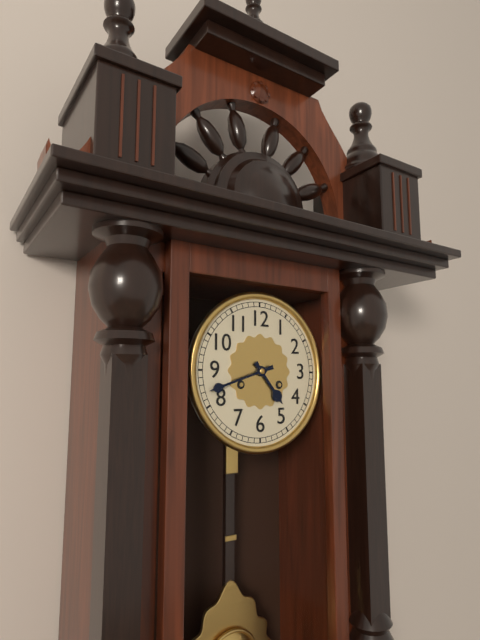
{"hour": 4, "minute": 42}
